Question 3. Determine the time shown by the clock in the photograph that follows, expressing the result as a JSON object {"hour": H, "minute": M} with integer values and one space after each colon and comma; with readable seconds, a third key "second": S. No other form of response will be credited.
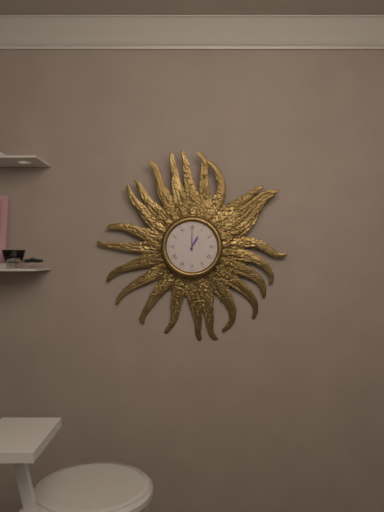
{"hour": 1, "minute": 0}
